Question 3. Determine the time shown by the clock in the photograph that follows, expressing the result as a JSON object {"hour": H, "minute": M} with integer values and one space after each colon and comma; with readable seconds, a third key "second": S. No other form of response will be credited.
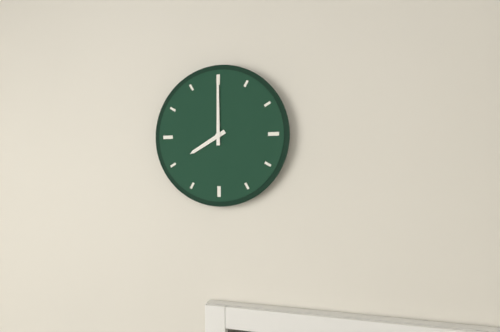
{"hour": 8, "minute": 0}
